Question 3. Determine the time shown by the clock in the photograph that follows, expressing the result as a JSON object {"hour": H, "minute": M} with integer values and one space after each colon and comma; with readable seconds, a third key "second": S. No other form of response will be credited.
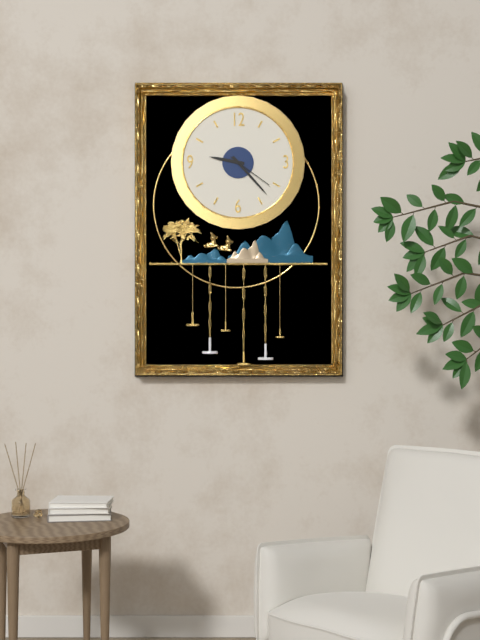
{"hour": 9, "minute": 23}
